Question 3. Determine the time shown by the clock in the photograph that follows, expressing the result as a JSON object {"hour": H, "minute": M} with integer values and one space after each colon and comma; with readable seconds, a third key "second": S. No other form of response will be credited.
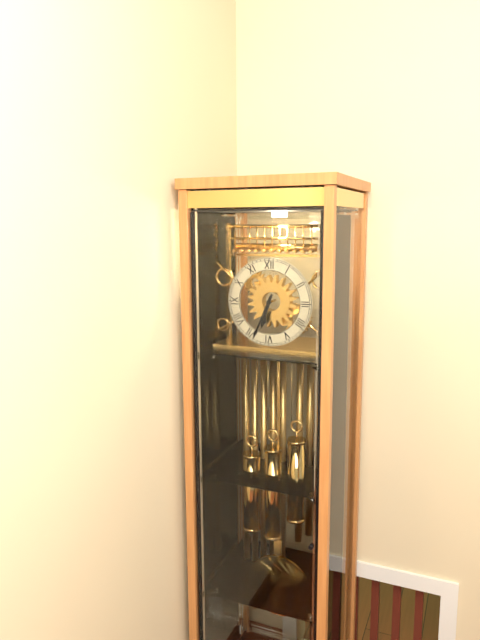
{"hour": 6, "minute": 34}
